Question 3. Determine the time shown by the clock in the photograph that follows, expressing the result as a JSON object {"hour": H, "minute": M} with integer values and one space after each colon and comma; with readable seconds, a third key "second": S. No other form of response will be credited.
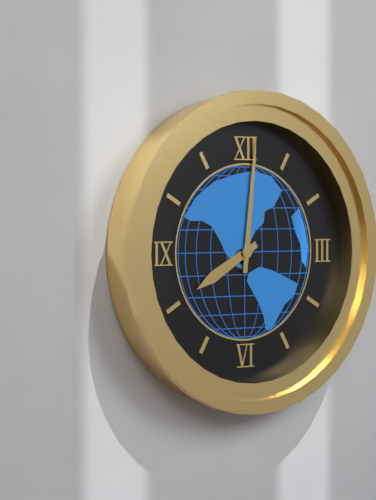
{"hour": 8, "minute": 1}
